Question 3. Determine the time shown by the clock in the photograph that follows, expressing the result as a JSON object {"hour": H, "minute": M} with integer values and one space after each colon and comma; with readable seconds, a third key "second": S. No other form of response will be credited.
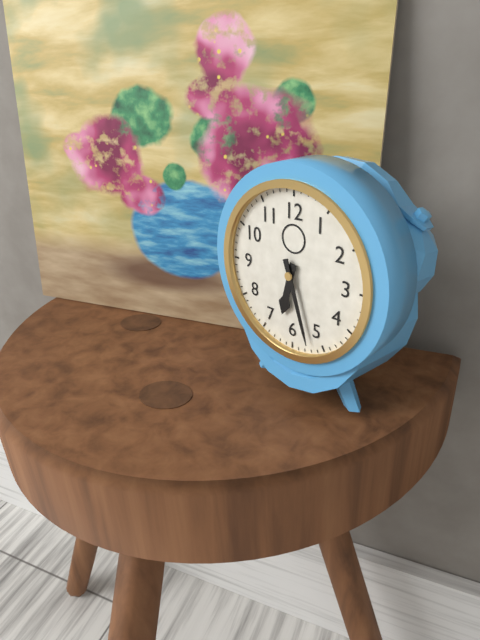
{"hour": 6, "minute": 27}
